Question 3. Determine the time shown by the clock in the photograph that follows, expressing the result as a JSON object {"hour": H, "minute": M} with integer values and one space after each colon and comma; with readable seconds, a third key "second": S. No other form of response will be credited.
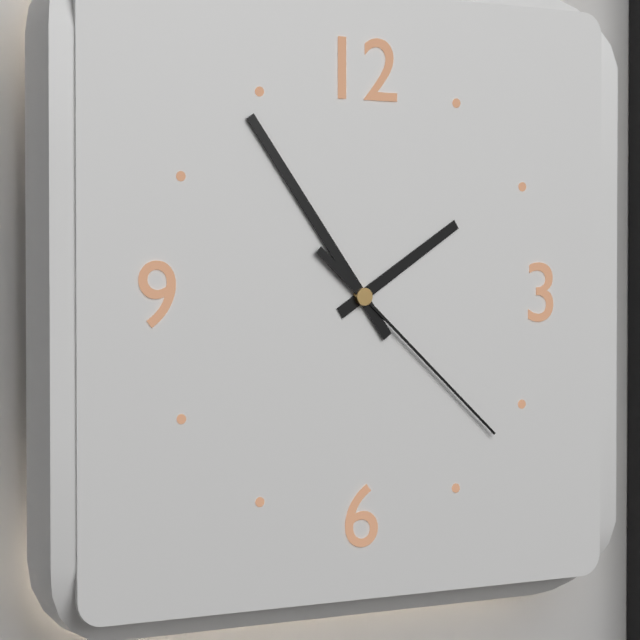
{"hour": 1, "minute": 54, "second": 22}
